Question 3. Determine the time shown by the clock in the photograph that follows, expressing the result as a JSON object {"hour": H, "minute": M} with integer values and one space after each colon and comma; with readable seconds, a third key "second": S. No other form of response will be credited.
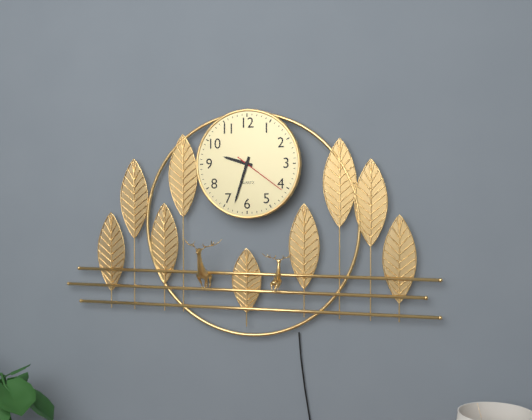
{"hour": 9, "minute": 33, "second": 21}
